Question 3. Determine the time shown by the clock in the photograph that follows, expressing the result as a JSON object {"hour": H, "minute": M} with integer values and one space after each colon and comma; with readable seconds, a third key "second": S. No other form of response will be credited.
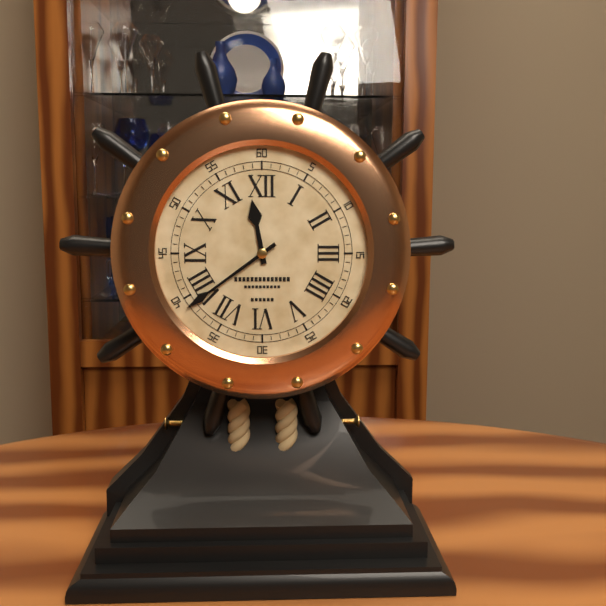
{"hour": 11, "minute": 39}
